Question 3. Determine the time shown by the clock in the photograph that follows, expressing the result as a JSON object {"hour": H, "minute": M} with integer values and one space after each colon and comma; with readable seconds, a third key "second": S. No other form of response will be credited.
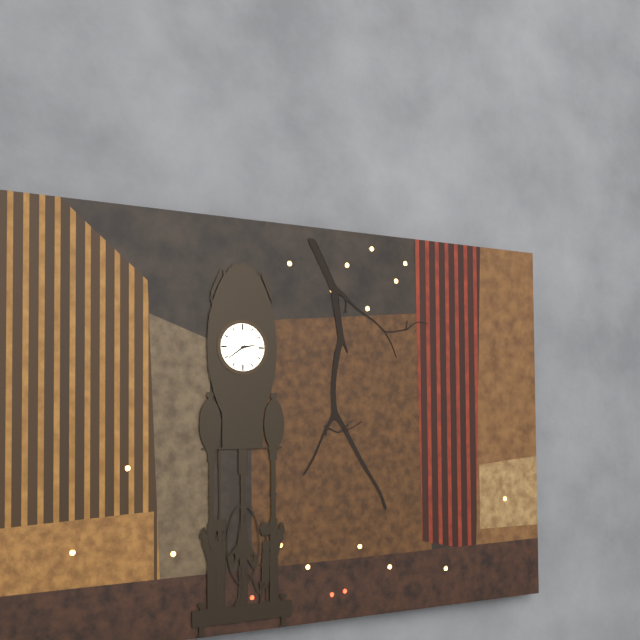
{"hour": 2, "minute": 39}
